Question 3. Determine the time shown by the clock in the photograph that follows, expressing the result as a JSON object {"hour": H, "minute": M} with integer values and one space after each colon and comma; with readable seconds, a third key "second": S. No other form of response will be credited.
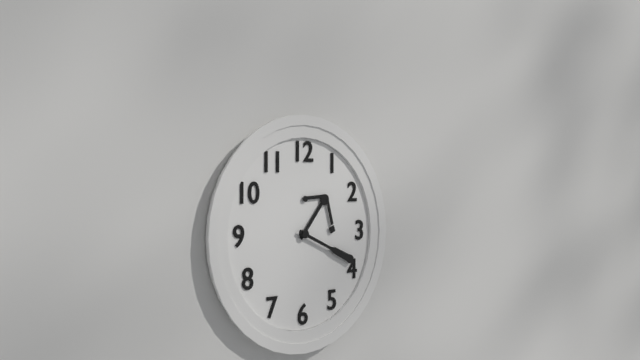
{"hour": 1, "minute": 19}
